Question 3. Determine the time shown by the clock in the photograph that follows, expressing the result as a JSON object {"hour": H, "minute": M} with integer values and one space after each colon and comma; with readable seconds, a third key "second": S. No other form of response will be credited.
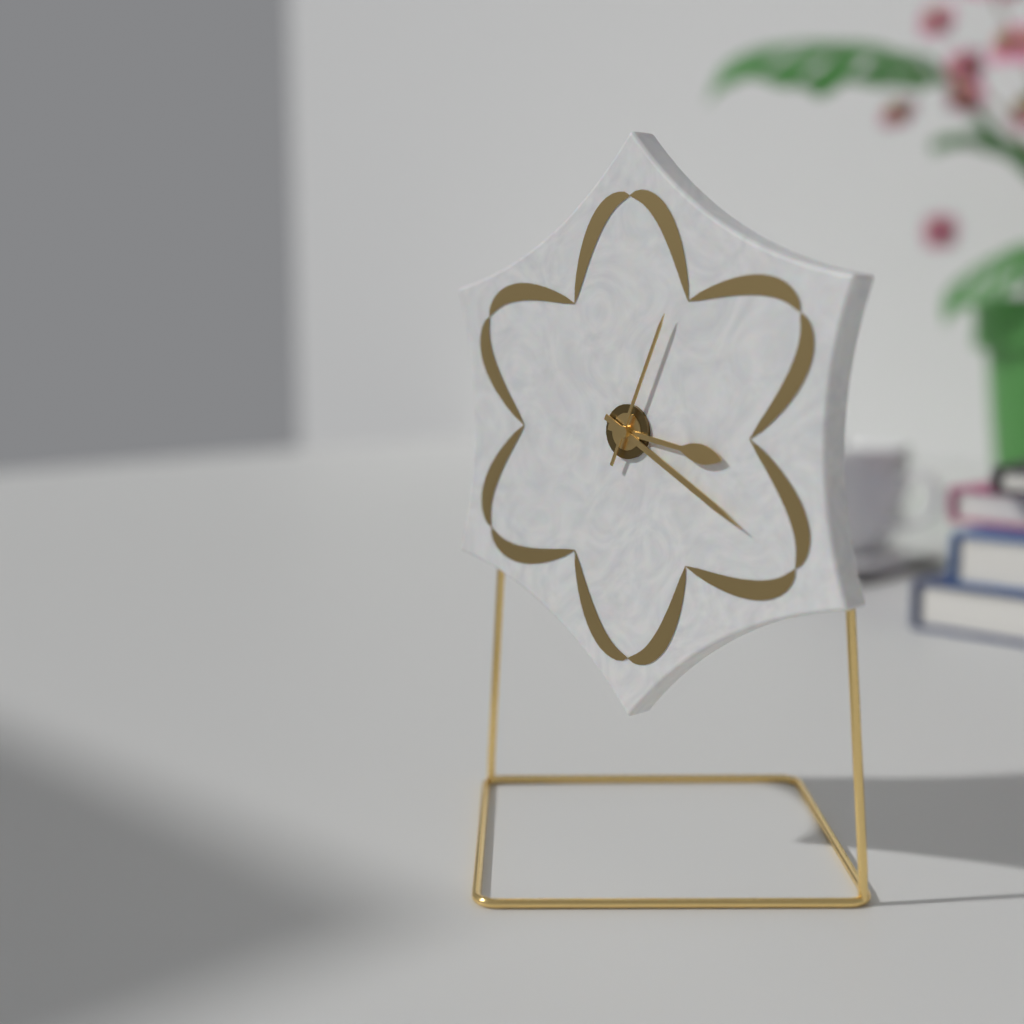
{"hour": 3, "minute": 20, "second": 4}
